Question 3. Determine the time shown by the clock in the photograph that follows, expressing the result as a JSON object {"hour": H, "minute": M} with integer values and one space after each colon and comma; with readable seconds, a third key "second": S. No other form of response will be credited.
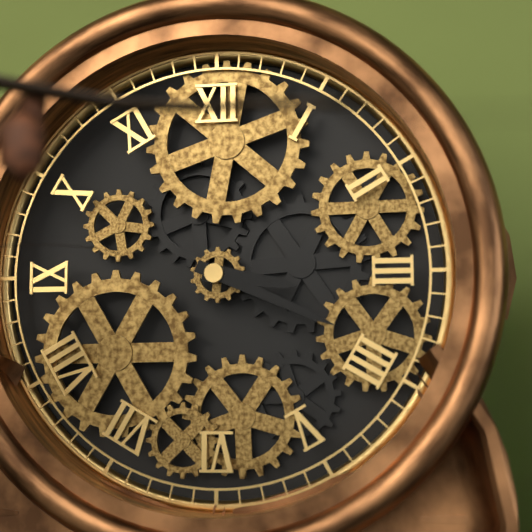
{"hour": 3, "minute": 19}
